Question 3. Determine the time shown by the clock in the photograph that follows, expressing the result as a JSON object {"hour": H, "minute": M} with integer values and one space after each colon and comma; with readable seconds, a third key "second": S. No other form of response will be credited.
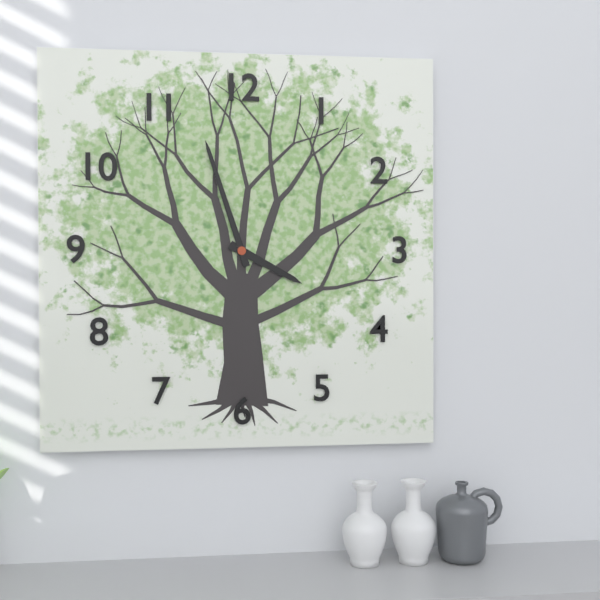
{"hour": 3, "minute": 57}
